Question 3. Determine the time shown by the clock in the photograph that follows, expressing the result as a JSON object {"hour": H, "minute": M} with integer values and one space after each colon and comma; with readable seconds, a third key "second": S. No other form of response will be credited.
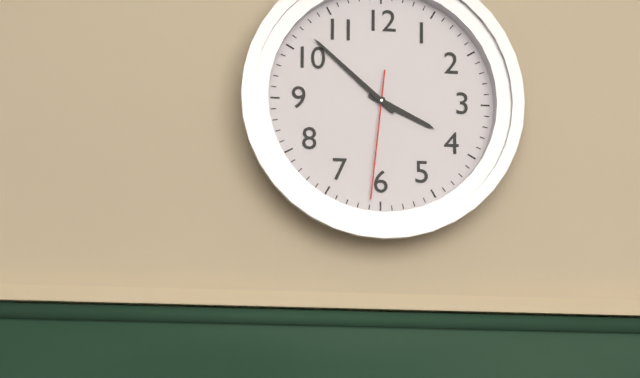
{"hour": 3, "minute": 52, "second": 31}
